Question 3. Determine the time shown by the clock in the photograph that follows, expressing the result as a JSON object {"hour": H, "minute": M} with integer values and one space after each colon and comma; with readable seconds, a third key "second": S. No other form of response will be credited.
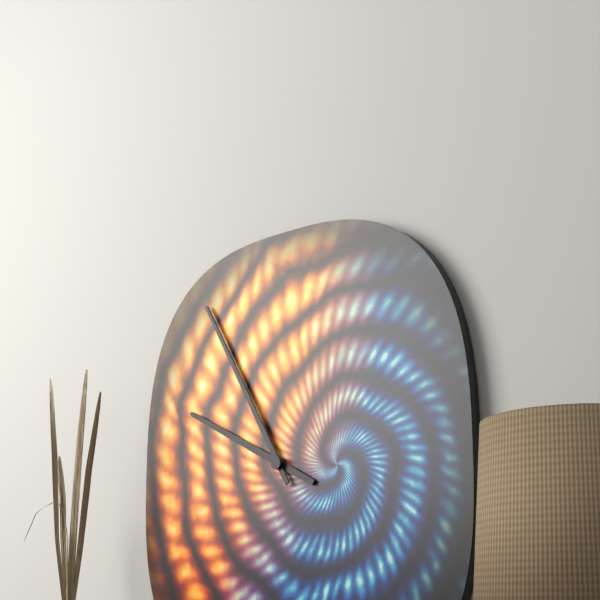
{"hour": 9, "minute": 55}
